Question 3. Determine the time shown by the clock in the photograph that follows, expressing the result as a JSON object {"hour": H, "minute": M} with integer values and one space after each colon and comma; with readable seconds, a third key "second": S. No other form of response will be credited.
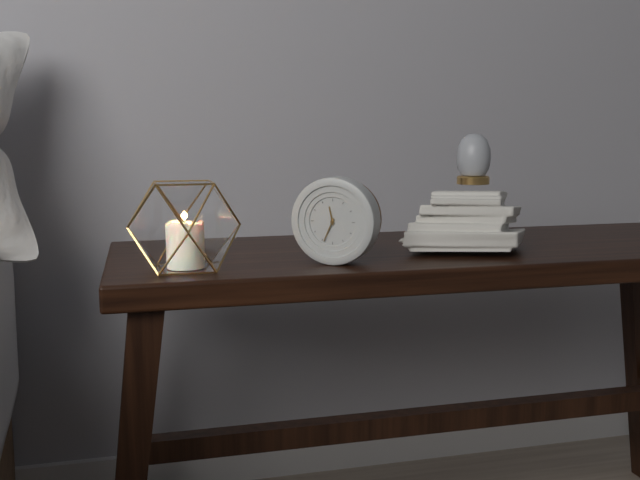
{"hour": 11, "minute": 34}
